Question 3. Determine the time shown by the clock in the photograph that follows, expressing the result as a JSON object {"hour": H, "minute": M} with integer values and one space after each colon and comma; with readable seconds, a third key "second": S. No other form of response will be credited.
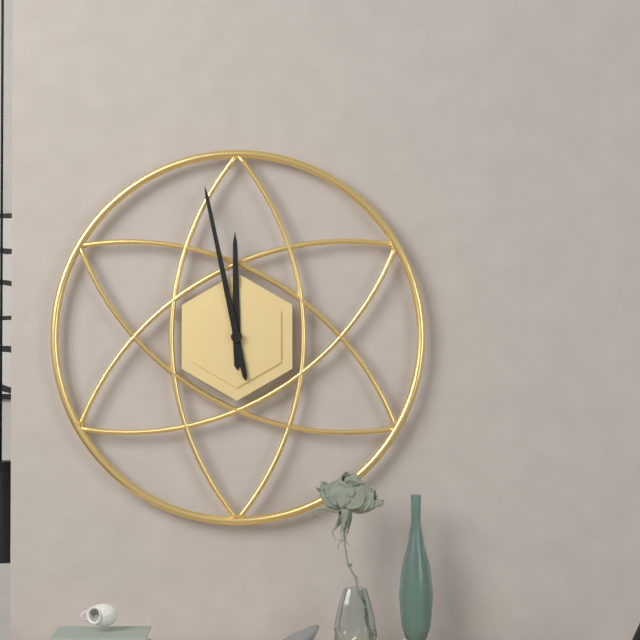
{"hour": 11, "minute": 58}
